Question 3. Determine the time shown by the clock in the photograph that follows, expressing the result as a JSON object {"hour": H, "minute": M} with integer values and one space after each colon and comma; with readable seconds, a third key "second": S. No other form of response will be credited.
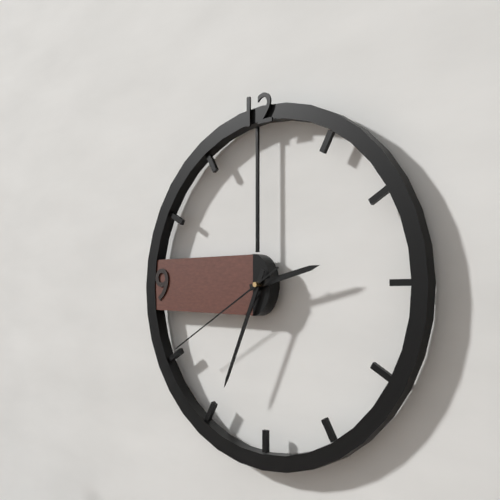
{"hour": 2, "minute": 34, "second": 40}
